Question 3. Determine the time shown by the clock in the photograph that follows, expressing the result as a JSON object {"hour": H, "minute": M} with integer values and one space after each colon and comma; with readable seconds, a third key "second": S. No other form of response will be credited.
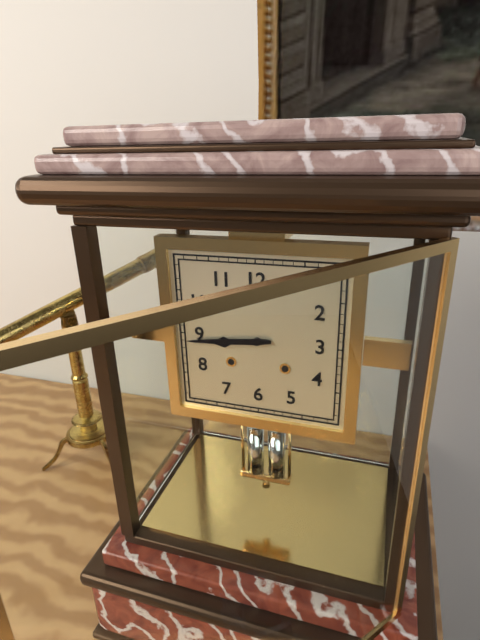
{"hour": 8, "minute": 44}
